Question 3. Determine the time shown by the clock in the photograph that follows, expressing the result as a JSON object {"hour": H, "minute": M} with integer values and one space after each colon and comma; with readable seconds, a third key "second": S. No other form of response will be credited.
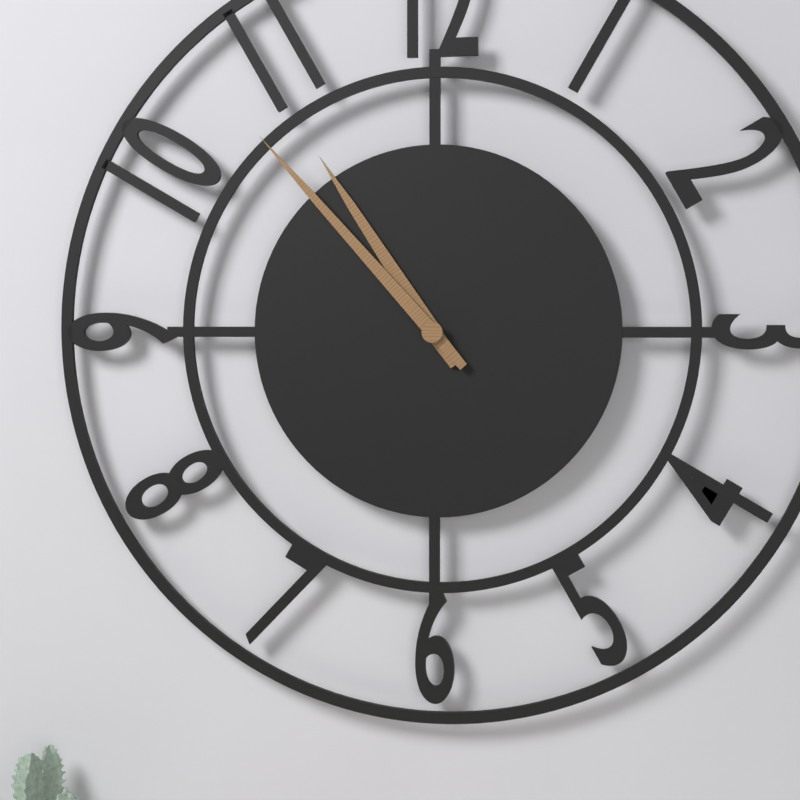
{"hour": 10, "minute": 53}
